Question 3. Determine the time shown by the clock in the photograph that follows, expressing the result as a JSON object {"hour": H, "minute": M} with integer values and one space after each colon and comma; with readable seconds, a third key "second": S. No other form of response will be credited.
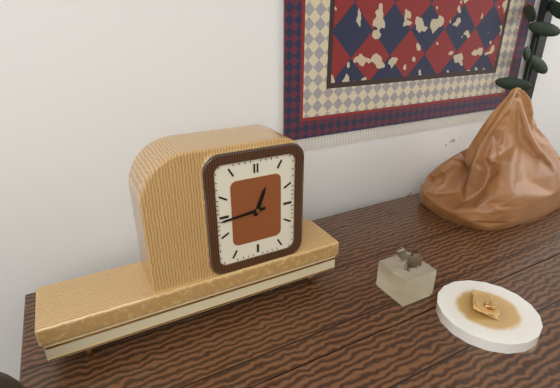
{"hour": 12, "minute": 44}
